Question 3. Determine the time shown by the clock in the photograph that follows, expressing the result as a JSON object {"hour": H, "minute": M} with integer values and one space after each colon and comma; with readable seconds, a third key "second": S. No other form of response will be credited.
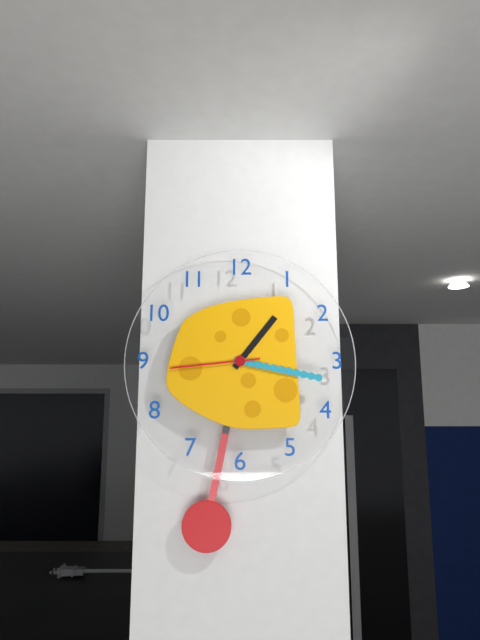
{"hour": 1, "minute": 17, "second": 44}
